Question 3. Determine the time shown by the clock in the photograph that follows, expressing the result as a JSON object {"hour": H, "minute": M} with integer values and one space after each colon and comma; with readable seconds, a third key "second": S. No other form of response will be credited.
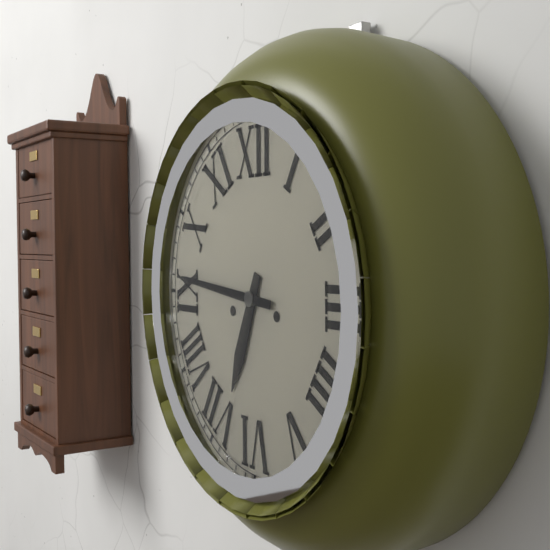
{"hour": 6, "minute": 46}
